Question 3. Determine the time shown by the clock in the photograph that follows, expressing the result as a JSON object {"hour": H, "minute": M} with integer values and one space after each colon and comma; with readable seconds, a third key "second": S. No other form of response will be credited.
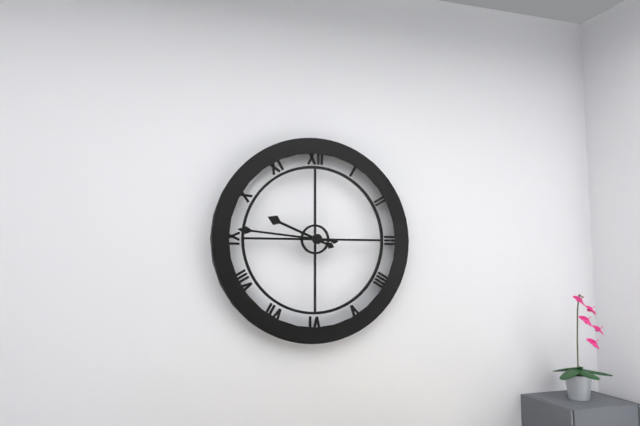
{"hour": 9, "minute": 46}
